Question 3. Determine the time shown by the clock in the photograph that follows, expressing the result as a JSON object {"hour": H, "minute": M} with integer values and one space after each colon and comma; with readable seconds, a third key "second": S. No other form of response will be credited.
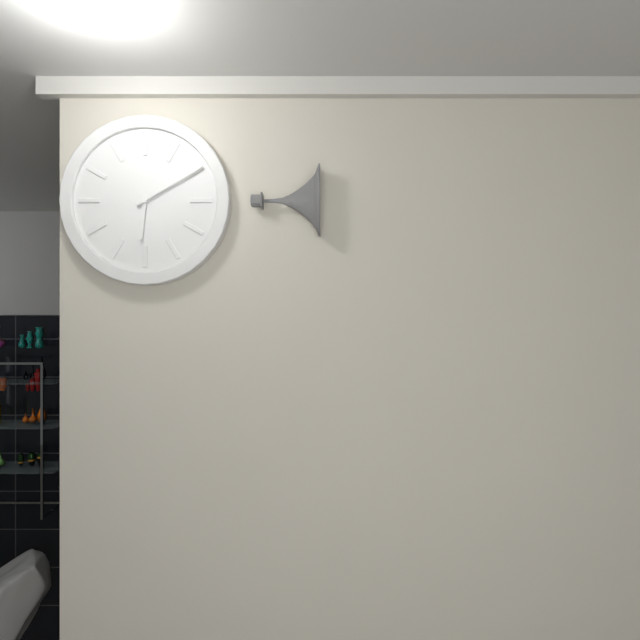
{"hour": 6, "minute": 10}
